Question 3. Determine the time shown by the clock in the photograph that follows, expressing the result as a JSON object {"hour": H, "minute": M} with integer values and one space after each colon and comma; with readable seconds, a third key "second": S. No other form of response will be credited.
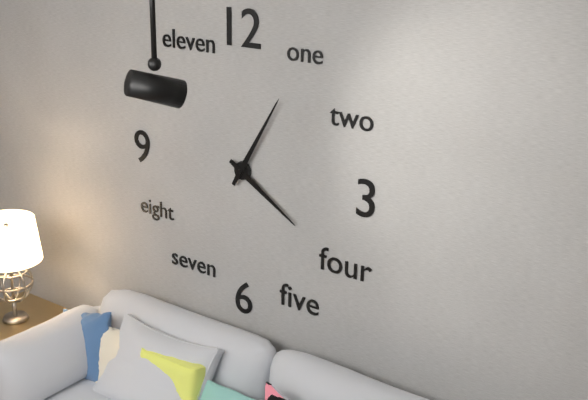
{"hour": 4, "minute": 5}
